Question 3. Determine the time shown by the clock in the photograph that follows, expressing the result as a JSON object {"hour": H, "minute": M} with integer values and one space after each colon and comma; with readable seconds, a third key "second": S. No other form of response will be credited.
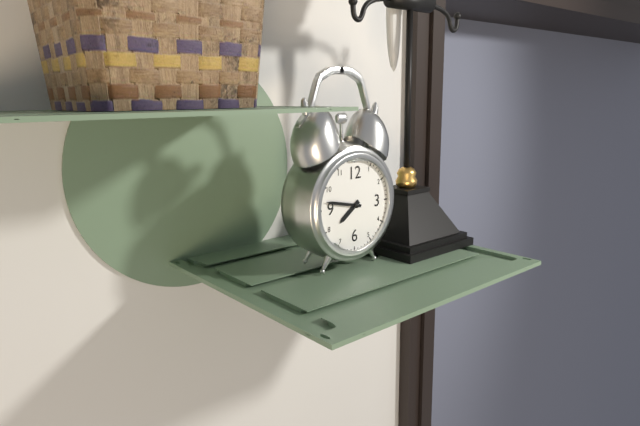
{"hour": 7, "minute": 47}
